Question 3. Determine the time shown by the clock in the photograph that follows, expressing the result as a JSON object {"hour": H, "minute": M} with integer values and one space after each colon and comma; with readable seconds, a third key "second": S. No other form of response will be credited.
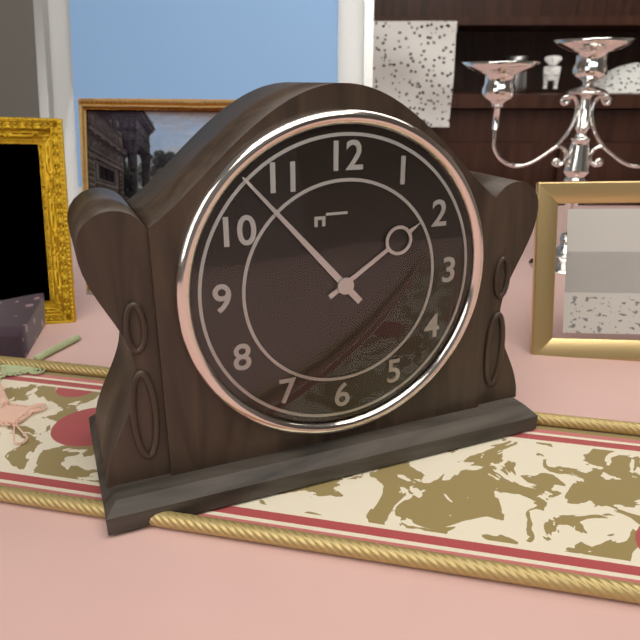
{"hour": 1, "minute": 53}
